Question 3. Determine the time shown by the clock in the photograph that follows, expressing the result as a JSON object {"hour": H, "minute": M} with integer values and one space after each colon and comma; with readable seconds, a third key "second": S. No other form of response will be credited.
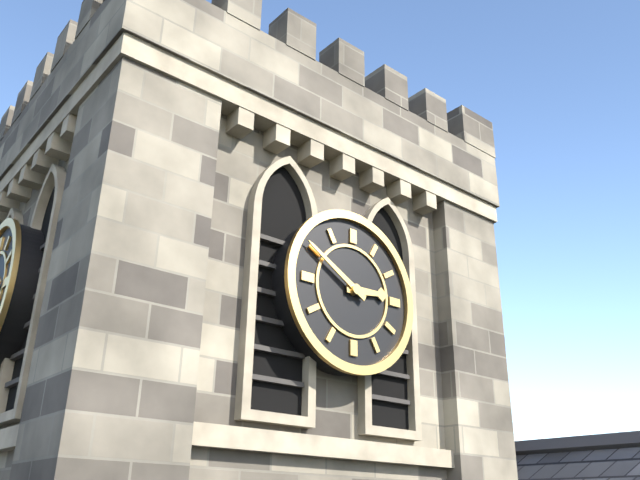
{"hour": 2, "minute": 50}
